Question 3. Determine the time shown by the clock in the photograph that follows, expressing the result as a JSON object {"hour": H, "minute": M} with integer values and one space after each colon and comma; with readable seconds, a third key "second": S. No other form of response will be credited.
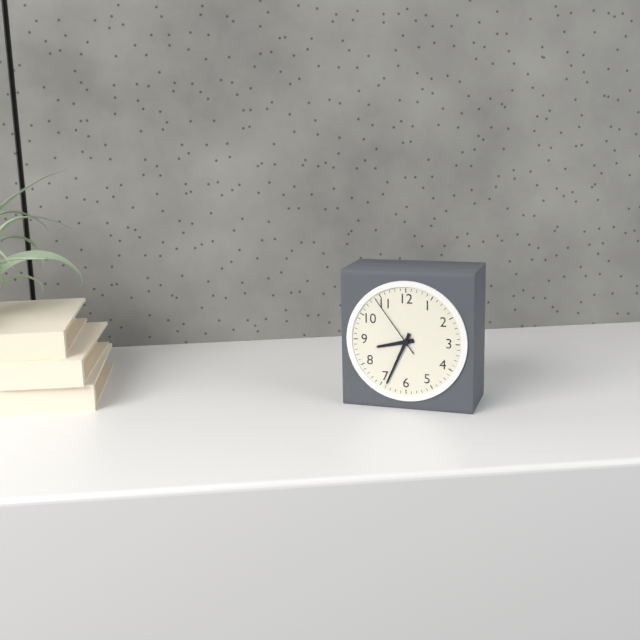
{"hour": 8, "minute": 34, "second": 54}
